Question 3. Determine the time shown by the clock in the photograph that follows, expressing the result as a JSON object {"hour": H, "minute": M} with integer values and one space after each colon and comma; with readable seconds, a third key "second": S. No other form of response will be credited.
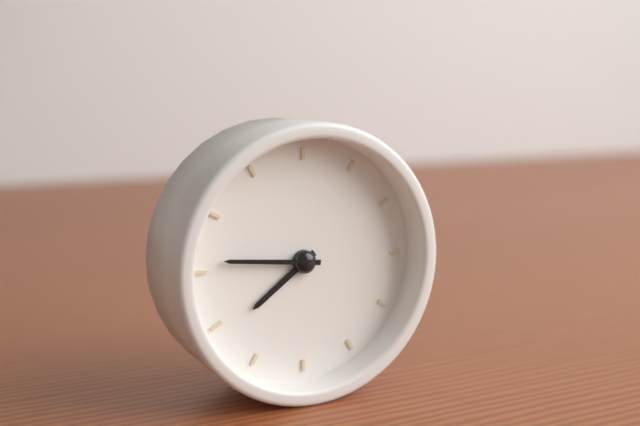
{"hour": 7, "minute": 46}
